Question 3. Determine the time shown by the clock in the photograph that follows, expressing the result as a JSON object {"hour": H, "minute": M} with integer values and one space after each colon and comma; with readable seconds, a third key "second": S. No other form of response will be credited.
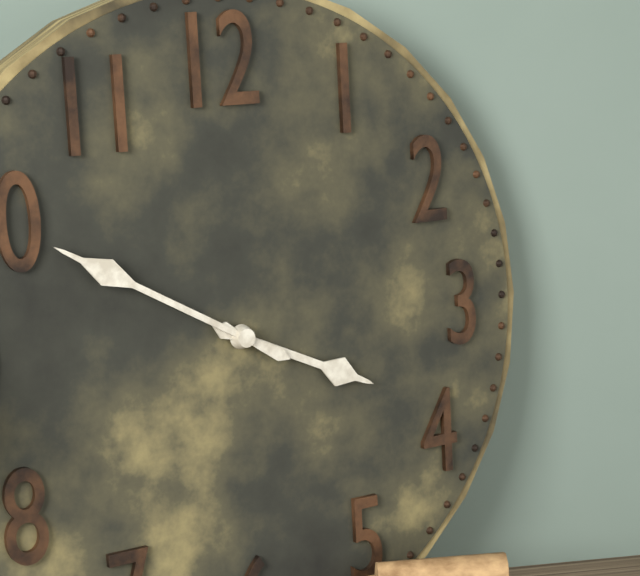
{"hour": 3, "minute": 50}
